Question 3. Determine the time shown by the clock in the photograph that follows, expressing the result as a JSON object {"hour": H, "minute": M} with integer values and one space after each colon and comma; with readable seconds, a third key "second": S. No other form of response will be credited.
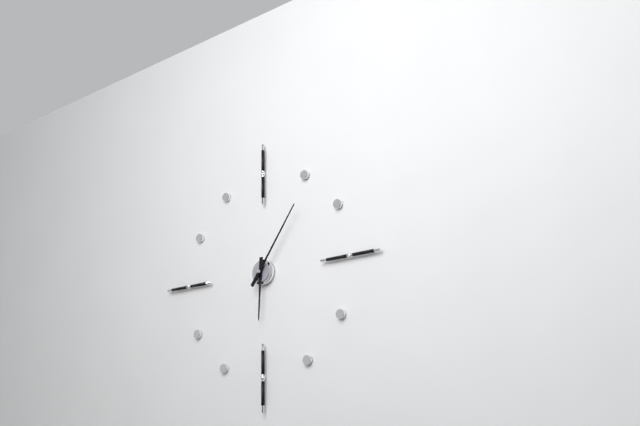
{"hour": 6, "minute": 6}
